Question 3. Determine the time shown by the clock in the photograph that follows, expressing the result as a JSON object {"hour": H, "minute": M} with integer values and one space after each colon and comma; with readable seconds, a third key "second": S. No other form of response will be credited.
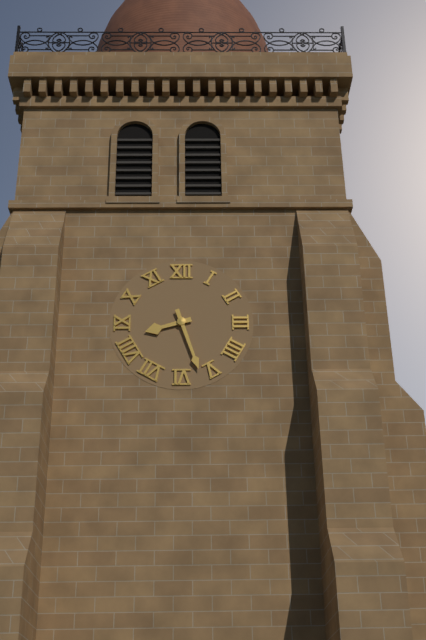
{"hour": 8, "minute": 27}
